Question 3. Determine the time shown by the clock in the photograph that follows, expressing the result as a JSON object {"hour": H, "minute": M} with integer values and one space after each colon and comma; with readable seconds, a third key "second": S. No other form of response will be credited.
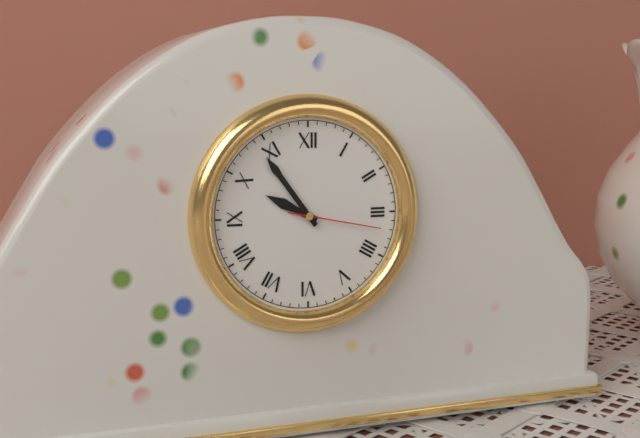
{"hour": 9, "minute": 54, "second": 17}
